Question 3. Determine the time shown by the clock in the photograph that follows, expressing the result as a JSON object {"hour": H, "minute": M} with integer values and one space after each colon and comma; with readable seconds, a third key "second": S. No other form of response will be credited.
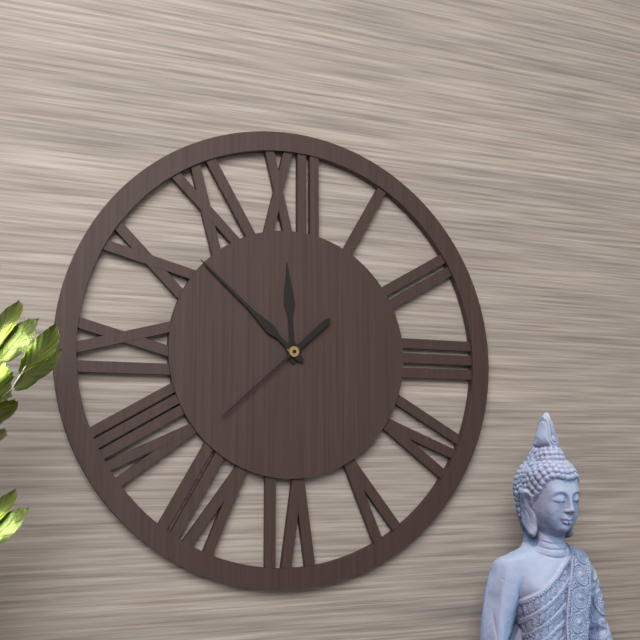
{"hour": 11, "minute": 52, "second": 38}
